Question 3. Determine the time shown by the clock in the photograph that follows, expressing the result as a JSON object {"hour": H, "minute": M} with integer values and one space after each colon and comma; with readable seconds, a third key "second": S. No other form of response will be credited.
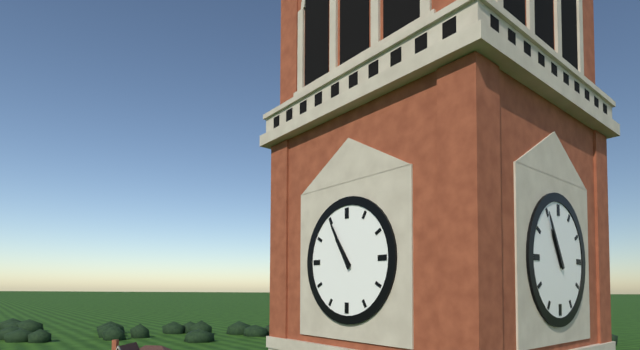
{"hour": 10, "minute": 55}
